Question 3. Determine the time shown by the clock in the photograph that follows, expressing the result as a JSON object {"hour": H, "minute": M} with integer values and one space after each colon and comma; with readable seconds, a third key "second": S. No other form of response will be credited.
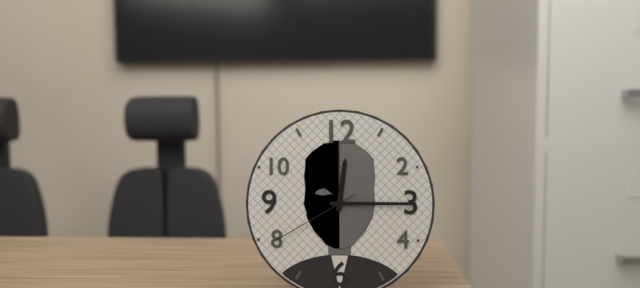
{"hour": 12, "minute": 15, "second": 40}
